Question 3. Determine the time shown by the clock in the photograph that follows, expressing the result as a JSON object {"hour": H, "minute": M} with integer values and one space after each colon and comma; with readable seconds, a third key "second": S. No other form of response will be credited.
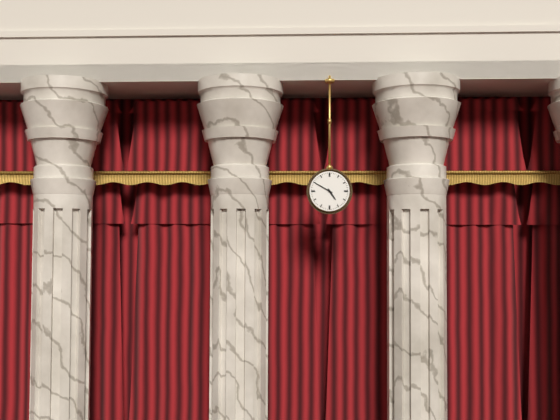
{"hour": 4, "minute": 50}
